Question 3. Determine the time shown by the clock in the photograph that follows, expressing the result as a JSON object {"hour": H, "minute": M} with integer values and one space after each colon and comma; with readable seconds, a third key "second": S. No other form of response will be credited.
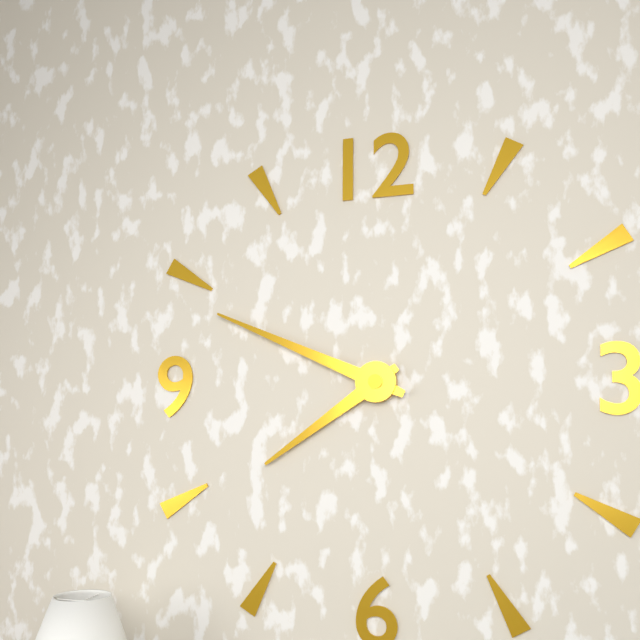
{"hour": 7, "minute": 49}
